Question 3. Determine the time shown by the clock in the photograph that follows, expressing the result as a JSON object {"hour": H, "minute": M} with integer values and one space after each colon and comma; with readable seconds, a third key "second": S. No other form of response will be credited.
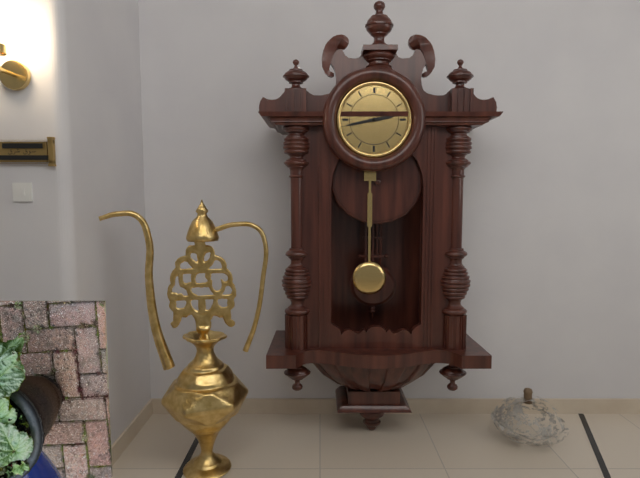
{"hour": 2, "minute": 43}
